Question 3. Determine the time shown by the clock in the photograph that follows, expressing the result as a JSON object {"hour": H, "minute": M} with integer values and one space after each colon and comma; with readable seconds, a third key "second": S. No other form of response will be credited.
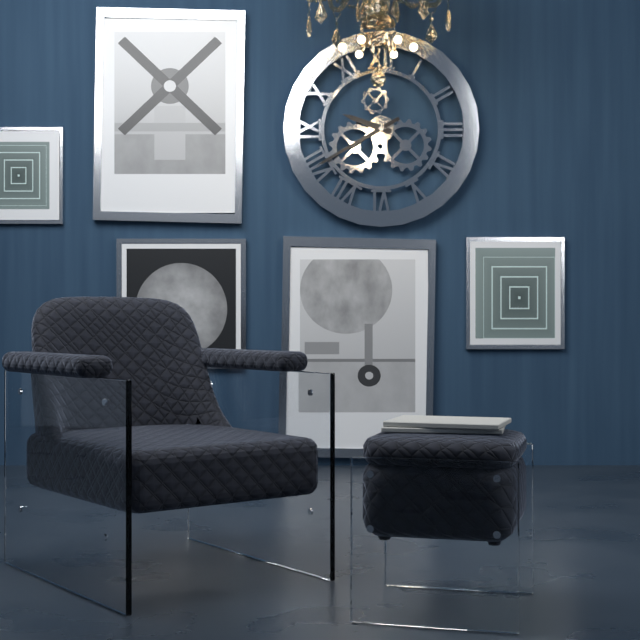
{"hour": 9, "minute": 40}
